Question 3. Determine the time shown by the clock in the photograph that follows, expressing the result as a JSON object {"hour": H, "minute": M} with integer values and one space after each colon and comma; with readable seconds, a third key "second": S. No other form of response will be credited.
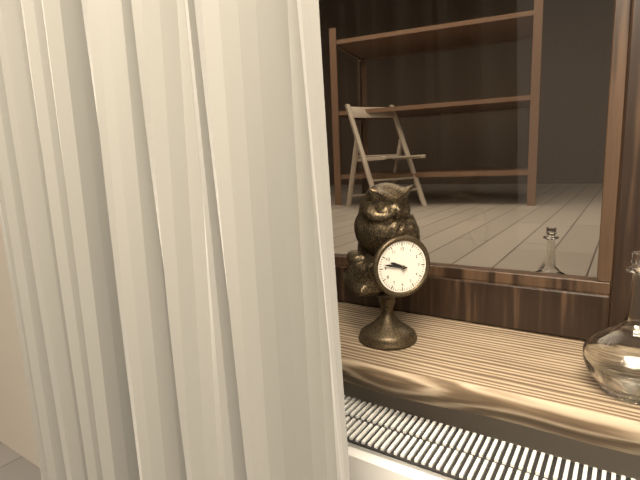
{"hour": 9, "minute": 47}
